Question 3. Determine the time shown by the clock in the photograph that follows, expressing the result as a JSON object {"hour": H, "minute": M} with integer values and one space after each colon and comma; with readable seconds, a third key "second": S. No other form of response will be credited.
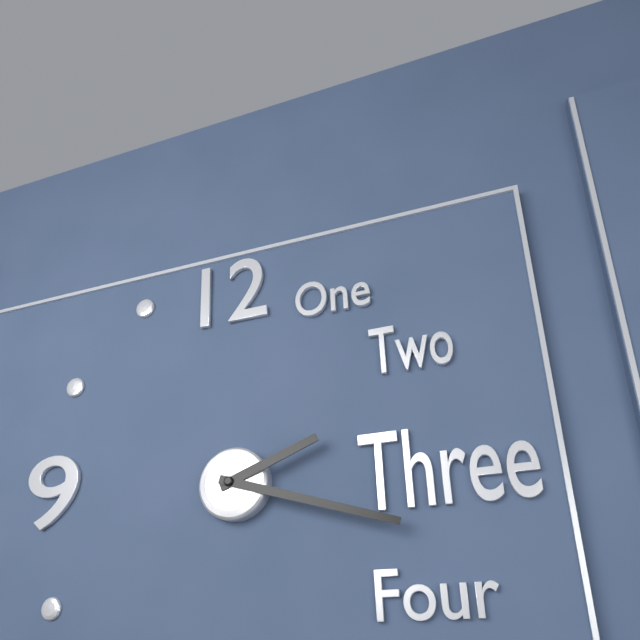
{"hour": 2, "minute": 18}
